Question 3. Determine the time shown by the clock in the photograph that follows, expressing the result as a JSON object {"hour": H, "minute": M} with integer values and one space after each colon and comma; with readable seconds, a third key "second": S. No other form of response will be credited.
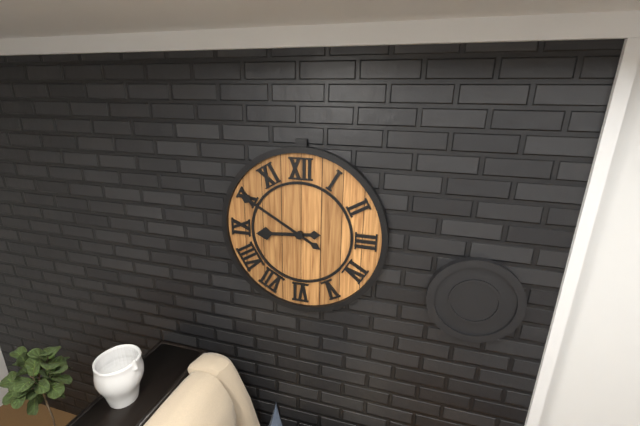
{"hour": 8, "minute": 50}
